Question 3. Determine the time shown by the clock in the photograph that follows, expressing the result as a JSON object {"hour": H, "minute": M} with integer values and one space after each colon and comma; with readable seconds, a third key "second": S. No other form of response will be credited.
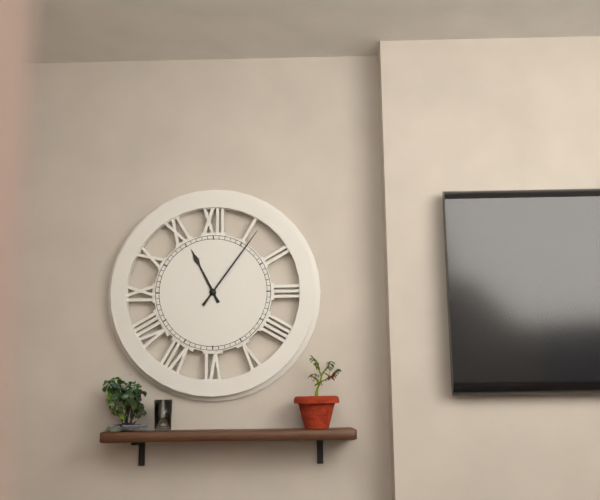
{"hour": 11, "minute": 6}
